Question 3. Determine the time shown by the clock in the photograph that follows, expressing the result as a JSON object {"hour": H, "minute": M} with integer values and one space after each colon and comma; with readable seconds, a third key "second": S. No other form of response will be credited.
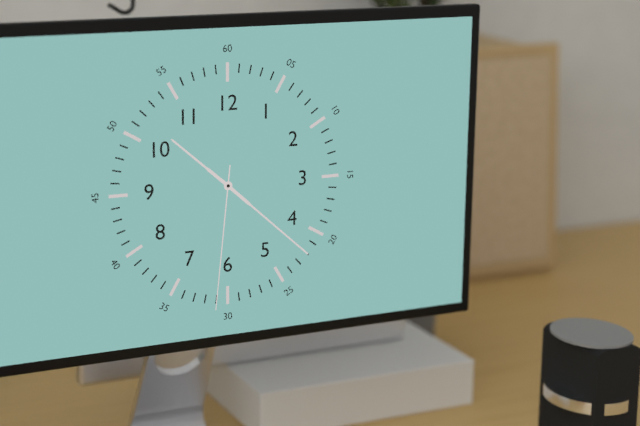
{"hour": 10, "minute": 22, "second": 31}
